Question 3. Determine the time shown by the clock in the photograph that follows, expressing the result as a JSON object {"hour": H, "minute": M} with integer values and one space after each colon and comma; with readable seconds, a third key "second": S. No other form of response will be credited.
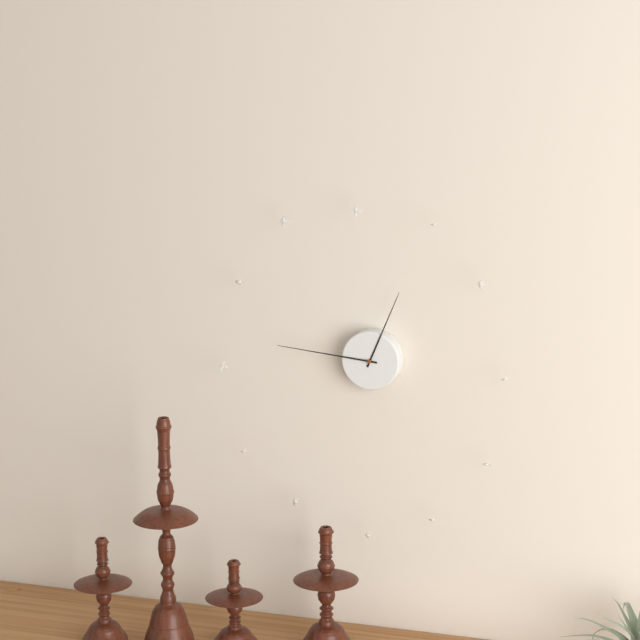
{"hour": 12, "minute": 46}
